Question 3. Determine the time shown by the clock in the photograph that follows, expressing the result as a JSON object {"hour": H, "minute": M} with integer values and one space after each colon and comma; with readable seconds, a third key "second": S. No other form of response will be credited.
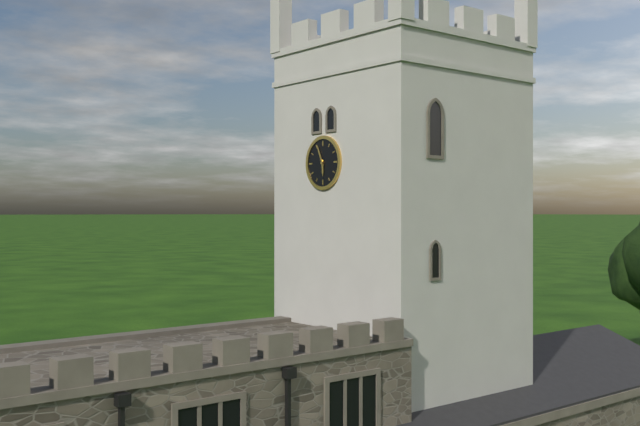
{"hour": 5, "minute": 56}
